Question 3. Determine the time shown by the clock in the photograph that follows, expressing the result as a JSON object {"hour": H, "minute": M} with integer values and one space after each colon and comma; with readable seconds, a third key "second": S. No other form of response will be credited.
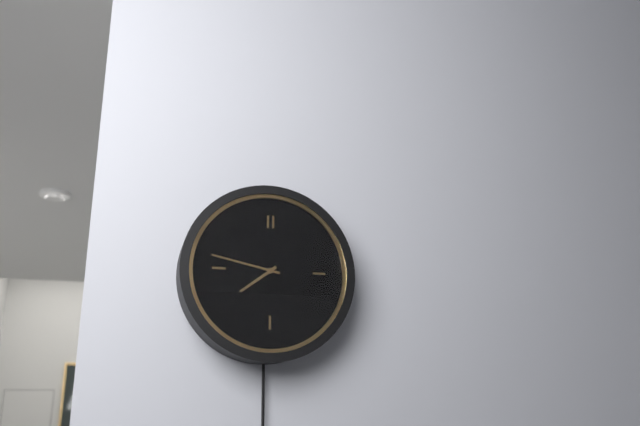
{"hour": 7, "minute": 47}
